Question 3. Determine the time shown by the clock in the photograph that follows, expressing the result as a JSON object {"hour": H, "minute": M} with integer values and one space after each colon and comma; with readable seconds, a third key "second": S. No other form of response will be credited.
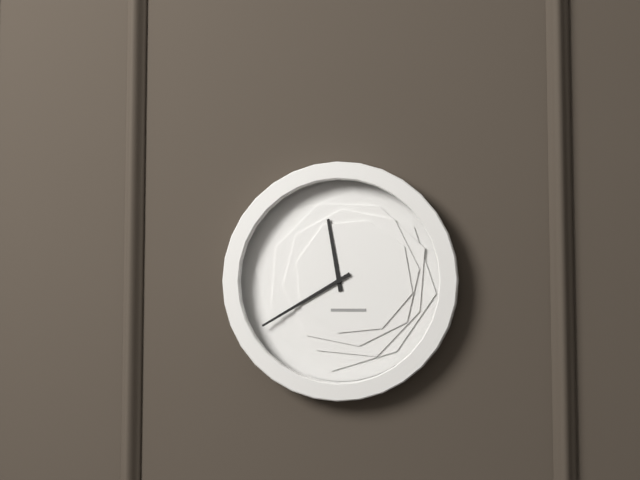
{"hour": 11, "minute": 40}
